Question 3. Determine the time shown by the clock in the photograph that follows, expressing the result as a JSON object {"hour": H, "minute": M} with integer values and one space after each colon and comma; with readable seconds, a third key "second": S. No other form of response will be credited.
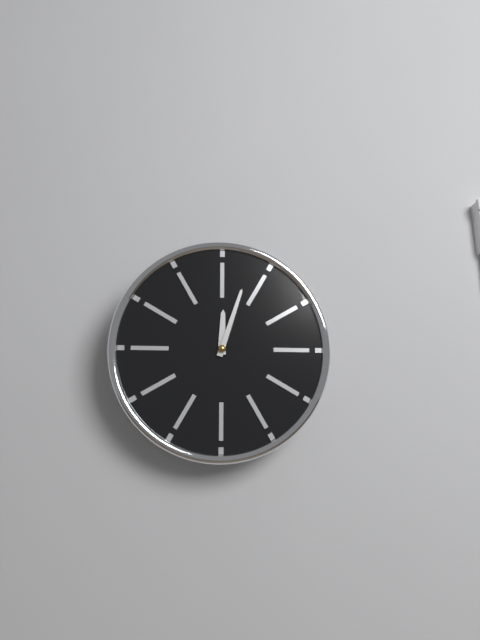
{"hour": 12, "minute": 3}
